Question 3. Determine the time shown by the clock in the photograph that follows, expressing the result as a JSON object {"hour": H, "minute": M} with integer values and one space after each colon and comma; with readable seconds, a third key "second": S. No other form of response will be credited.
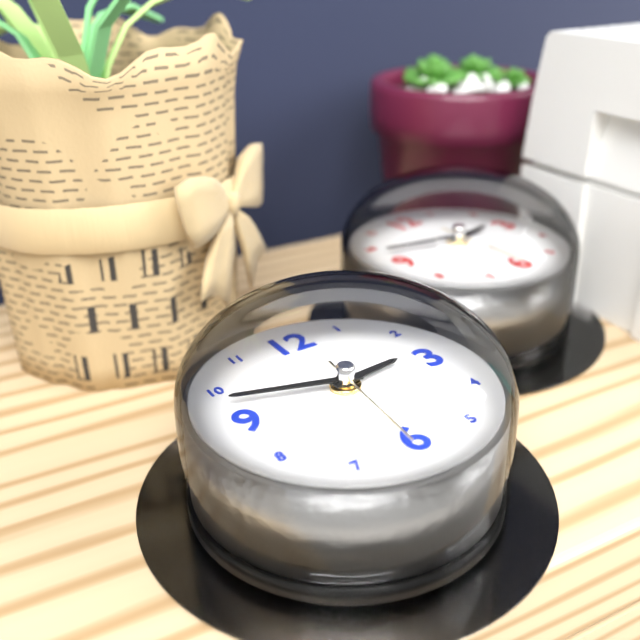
{"hour": 2, "minute": 48, "second": 31}
